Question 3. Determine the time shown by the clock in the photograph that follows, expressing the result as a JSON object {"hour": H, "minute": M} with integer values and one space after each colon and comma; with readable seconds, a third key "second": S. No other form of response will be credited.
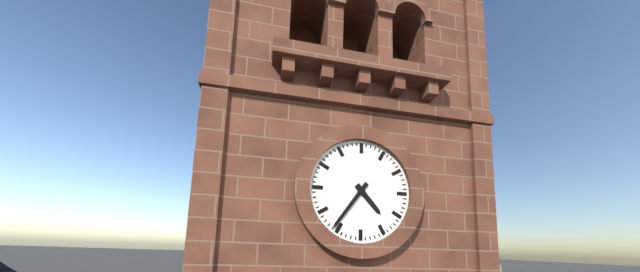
{"hour": 4, "minute": 36}
